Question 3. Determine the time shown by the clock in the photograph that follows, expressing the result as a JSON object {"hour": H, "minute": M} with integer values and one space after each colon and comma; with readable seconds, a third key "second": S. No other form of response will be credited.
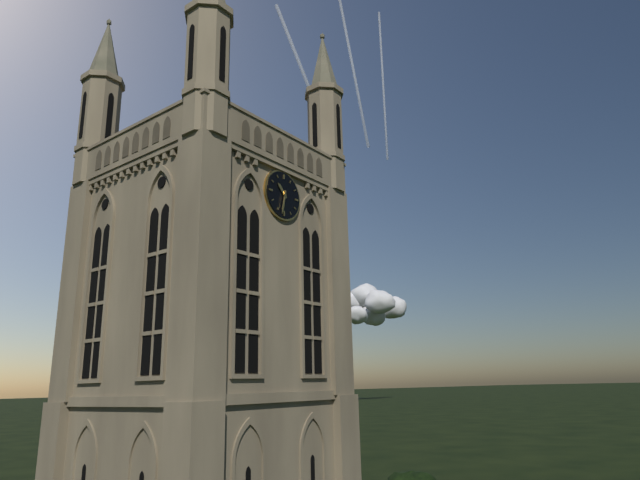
{"hour": 10, "minute": 32}
